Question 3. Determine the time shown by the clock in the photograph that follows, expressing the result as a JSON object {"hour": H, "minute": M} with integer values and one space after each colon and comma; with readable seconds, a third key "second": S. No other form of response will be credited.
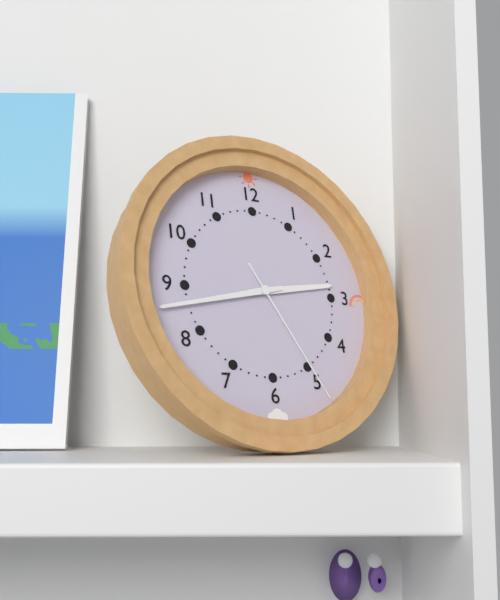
{"hour": 2, "minute": 43, "second": 25}
